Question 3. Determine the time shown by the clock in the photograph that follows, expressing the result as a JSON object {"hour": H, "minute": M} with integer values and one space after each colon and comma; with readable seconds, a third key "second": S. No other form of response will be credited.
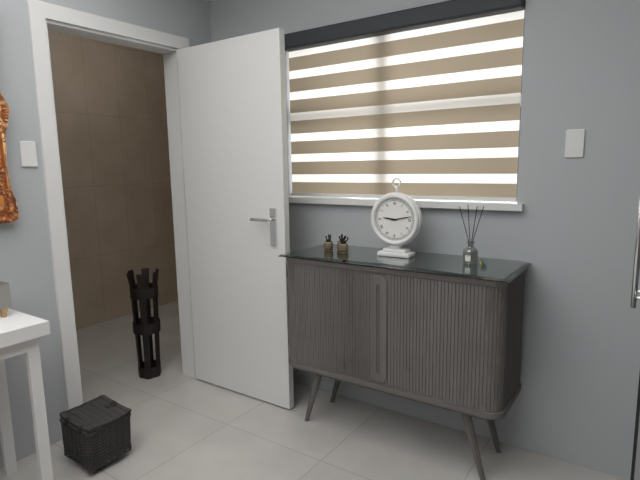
{"hour": 9, "minute": 13}
